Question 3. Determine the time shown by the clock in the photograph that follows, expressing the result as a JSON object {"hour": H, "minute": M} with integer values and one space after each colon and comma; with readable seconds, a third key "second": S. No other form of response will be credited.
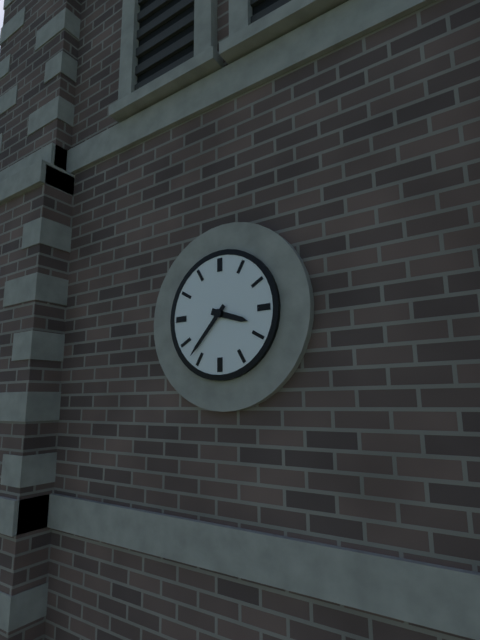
{"hour": 3, "minute": 37}
